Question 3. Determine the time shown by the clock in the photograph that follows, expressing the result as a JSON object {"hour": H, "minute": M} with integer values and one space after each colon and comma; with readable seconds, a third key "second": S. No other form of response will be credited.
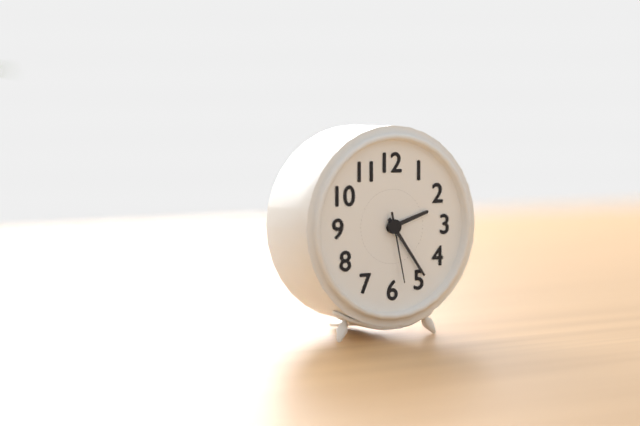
{"hour": 2, "minute": 24, "second": 28}
